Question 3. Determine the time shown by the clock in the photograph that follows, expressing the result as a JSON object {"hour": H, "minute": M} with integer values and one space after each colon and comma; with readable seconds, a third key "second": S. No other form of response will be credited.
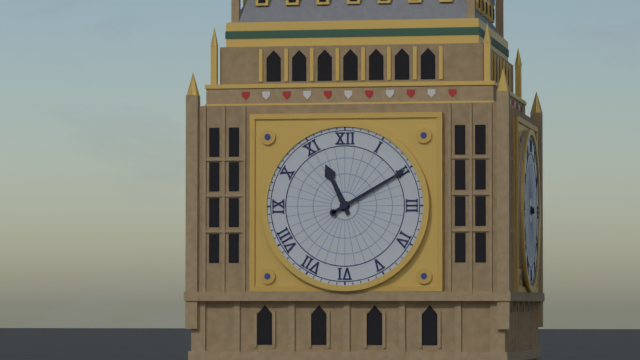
{"hour": 11, "minute": 10}
